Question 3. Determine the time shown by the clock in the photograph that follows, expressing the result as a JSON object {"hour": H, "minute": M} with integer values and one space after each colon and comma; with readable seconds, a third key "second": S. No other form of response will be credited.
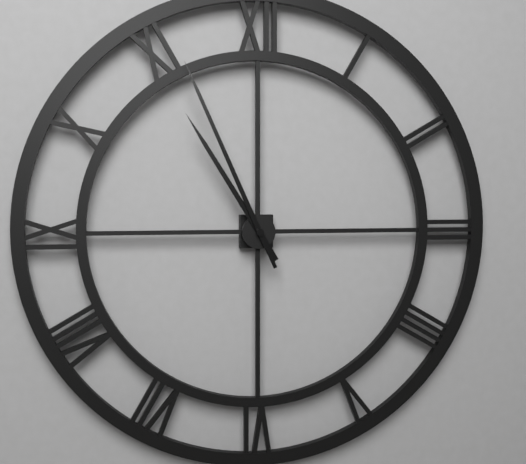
{"hour": 10, "minute": 56}
